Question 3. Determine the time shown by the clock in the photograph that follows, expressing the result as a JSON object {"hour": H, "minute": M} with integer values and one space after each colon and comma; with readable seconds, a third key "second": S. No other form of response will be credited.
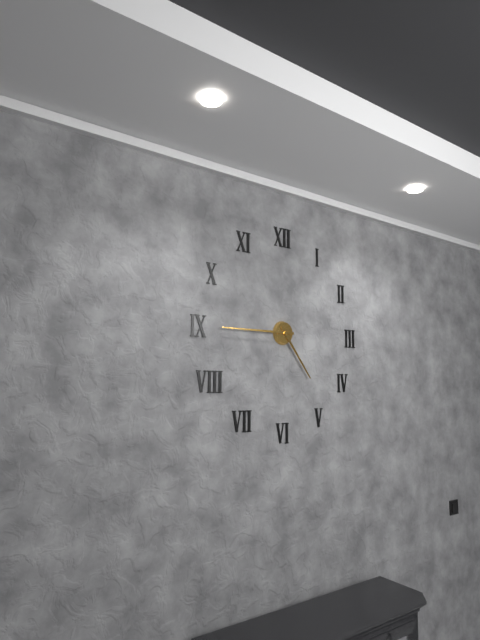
{"hour": 4, "minute": 45}
